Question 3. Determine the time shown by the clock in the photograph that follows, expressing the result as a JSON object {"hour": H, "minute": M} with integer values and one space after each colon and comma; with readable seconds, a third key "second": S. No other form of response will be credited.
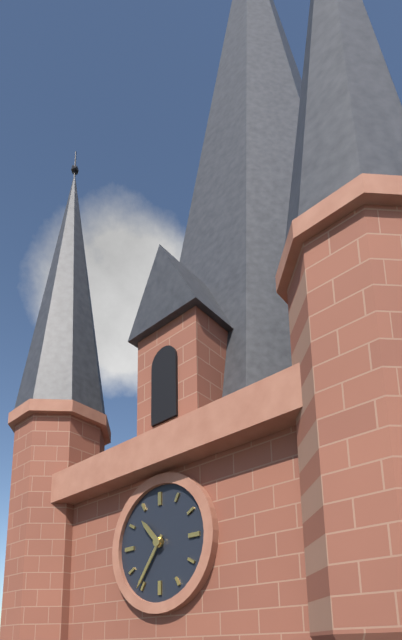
{"hour": 10, "minute": 36}
